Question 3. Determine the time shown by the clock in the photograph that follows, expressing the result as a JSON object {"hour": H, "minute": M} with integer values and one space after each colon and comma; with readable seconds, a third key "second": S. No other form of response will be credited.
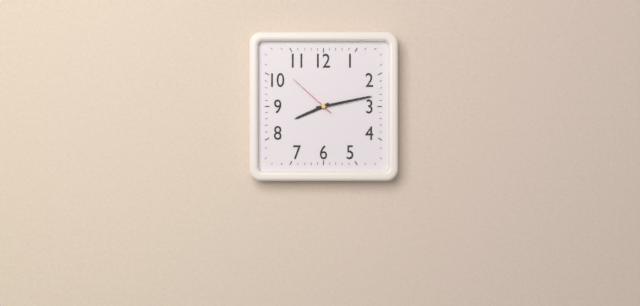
{"hour": 8, "minute": 13, "second": 52}
